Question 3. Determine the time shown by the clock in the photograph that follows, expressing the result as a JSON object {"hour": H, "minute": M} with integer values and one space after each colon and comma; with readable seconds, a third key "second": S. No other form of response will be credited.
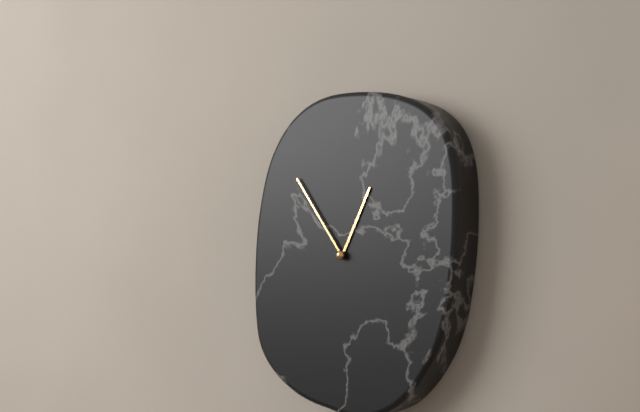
{"hour": 12, "minute": 54}
